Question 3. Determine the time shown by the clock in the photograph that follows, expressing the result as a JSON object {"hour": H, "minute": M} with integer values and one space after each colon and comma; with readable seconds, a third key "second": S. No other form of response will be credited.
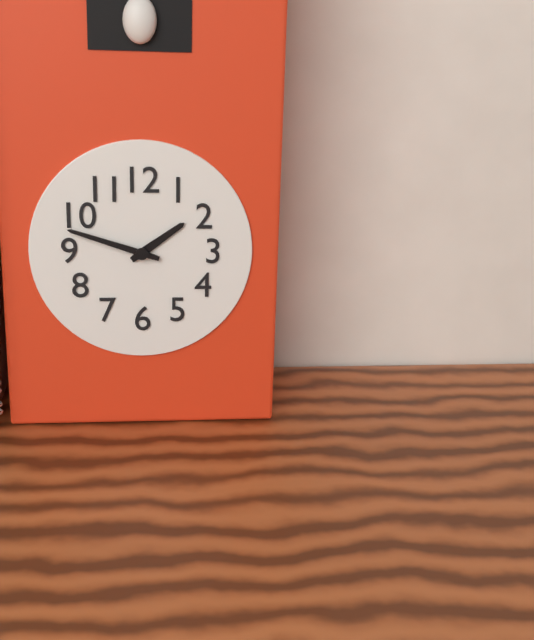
{"hour": 1, "minute": 48}
